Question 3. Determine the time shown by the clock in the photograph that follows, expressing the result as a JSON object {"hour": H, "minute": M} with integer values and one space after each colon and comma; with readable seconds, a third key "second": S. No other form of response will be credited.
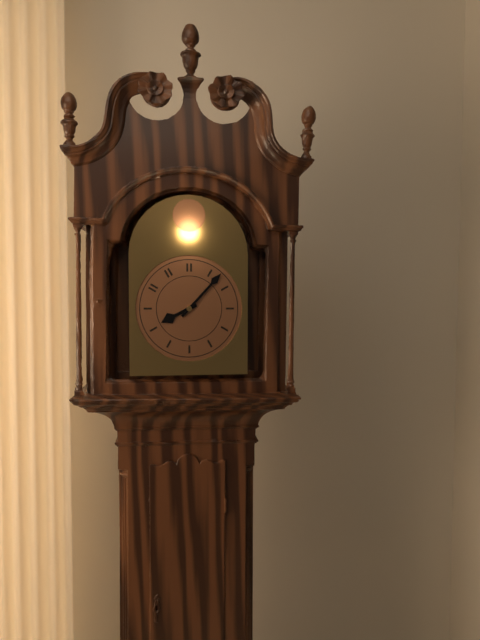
{"hour": 8, "minute": 7}
